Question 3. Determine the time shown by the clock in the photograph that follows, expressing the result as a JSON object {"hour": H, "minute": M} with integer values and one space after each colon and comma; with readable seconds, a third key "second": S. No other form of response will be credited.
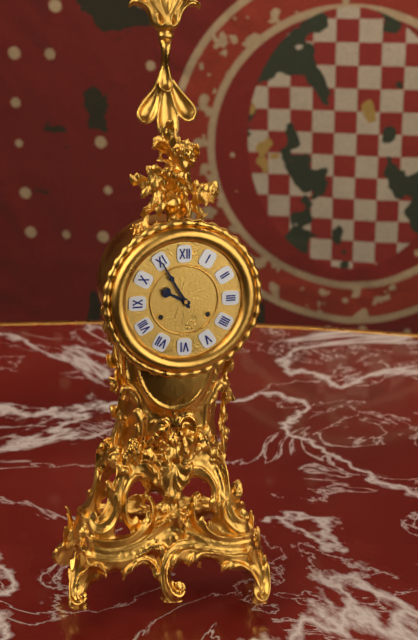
{"hour": 9, "minute": 55}
